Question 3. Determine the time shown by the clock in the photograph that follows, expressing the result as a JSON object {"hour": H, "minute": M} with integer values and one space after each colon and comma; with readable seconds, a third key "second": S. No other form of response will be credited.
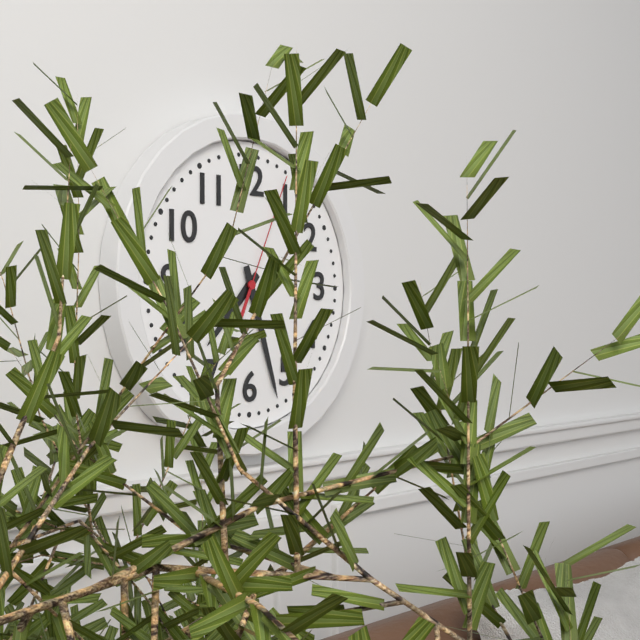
{"hour": 7, "minute": 27, "second": 4}
